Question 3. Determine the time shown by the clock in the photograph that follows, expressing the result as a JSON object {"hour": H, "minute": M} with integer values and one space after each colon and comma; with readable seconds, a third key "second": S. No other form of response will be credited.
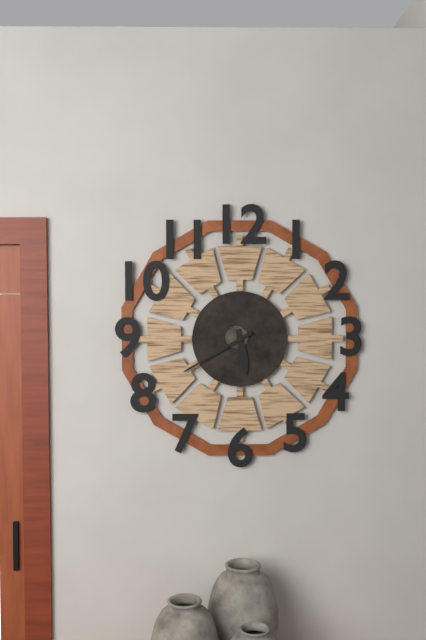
{"hour": 5, "minute": 40}
